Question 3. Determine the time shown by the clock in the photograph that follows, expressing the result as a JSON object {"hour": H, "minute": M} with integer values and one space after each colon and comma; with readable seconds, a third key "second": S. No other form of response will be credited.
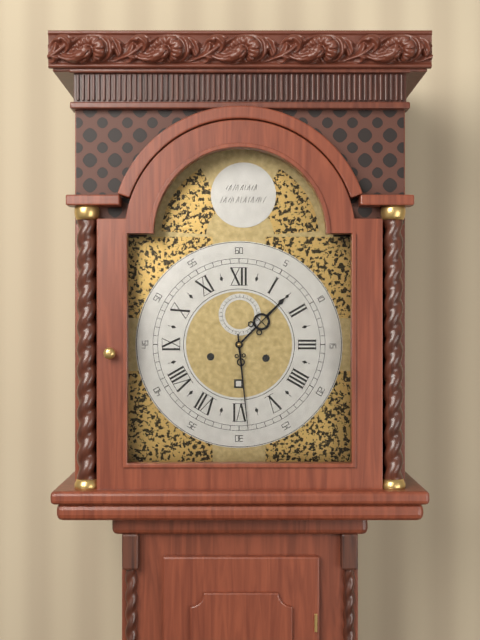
{"hour": 1, "minute": 29}
